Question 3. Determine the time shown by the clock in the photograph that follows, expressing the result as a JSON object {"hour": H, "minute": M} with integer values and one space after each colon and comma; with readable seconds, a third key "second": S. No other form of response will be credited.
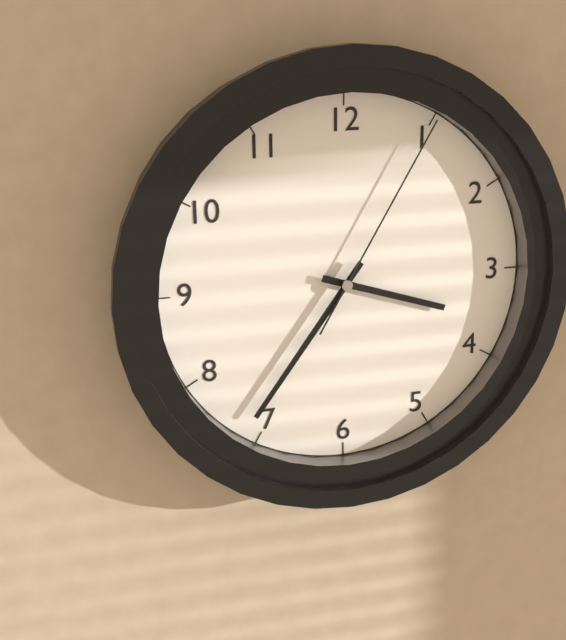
{"hour": 3, "minute": 36, "second": 5}
